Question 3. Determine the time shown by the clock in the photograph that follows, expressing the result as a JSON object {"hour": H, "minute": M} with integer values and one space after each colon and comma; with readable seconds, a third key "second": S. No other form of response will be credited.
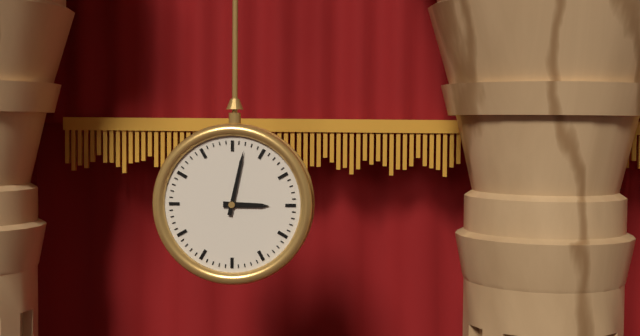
{"hour": 3, "minute": 2}
